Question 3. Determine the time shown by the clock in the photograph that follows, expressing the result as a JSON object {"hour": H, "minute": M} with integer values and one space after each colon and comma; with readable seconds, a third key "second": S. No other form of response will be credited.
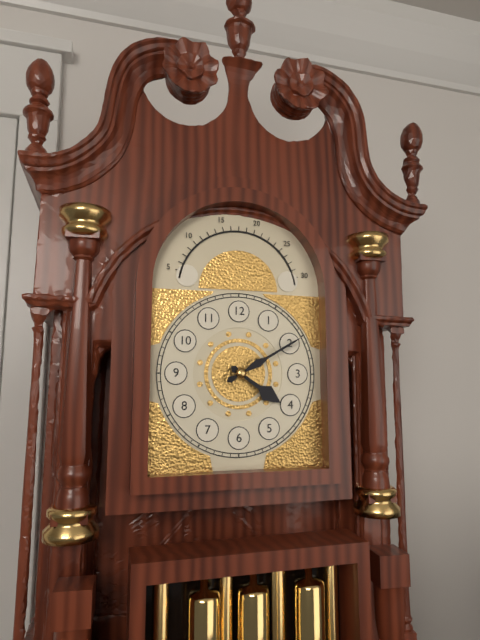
{"hour": 4, "minute": 10}
